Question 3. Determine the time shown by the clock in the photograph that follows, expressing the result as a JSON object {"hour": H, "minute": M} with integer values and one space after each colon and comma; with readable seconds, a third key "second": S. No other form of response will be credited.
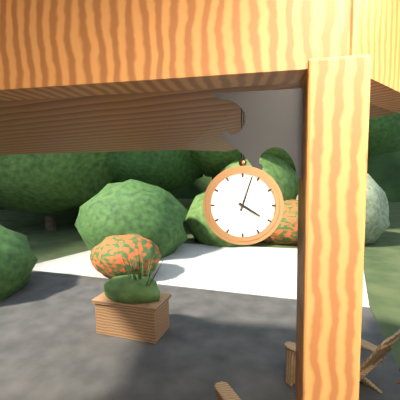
{"hour": 4, "minute": 3}
